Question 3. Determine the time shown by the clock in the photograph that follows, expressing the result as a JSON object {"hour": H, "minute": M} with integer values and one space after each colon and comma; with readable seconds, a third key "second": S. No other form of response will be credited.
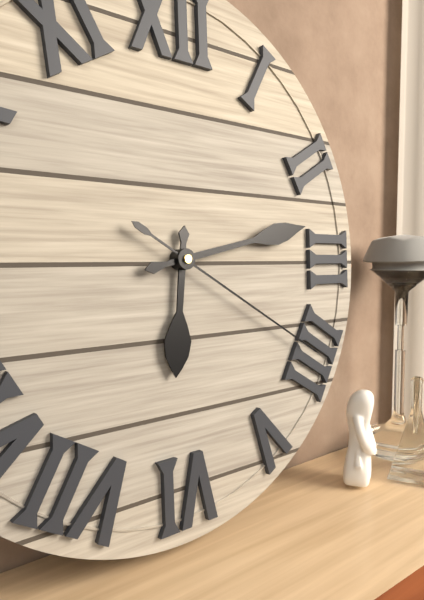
{"hour": 6, "minute": 13, "second": 20}
